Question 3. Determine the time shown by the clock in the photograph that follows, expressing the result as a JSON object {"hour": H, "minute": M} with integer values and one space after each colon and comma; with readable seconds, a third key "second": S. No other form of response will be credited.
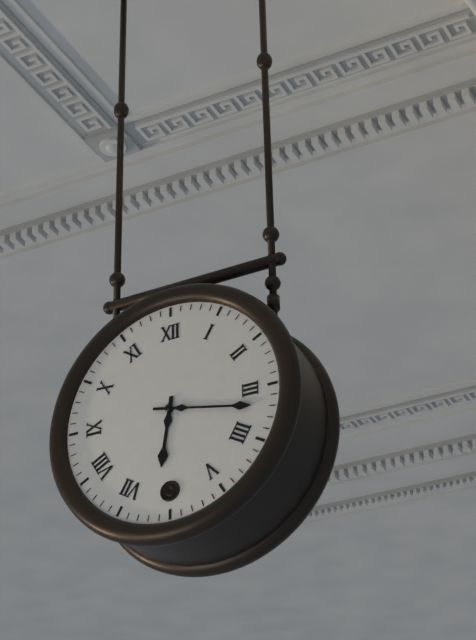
{"hour": 6, "minute": 17}
